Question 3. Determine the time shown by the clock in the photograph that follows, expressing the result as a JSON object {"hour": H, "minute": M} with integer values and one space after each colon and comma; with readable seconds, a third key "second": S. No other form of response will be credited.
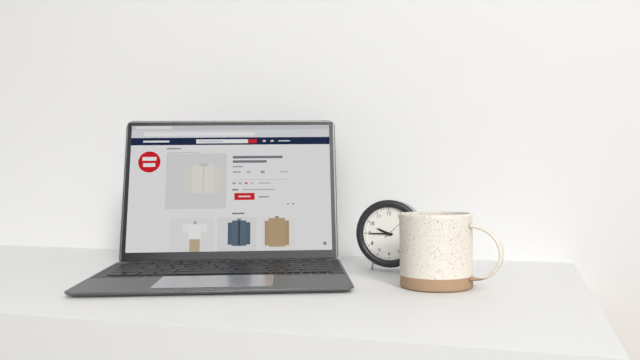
{"hour": 9, "minute": 45}
